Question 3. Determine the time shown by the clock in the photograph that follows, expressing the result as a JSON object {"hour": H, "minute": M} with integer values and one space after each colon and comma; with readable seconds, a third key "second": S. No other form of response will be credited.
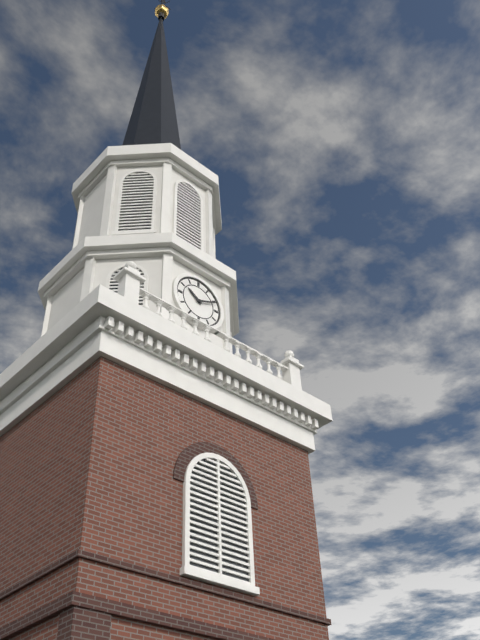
{"hour": 10, "minute": 11}
